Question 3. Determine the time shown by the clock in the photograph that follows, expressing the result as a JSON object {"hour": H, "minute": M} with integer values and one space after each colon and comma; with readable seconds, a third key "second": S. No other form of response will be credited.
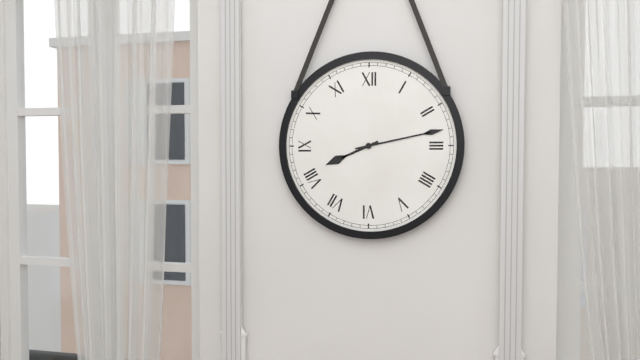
{"hour": 8, "minute": 13}
